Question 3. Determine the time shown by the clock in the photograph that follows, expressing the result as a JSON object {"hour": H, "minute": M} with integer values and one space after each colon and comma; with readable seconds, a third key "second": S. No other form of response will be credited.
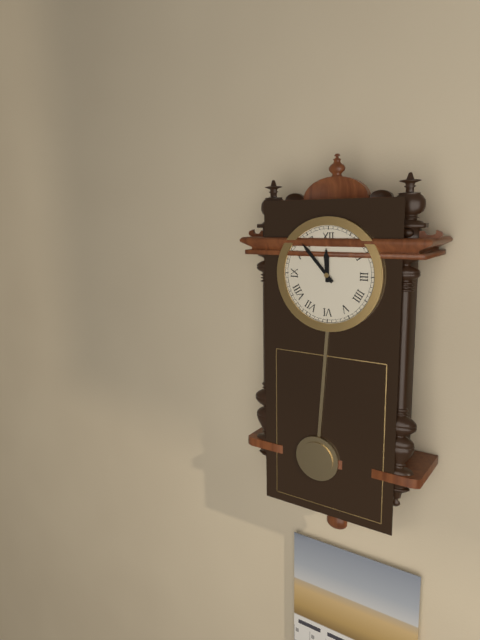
{"hour": 11, "minute": 53}
